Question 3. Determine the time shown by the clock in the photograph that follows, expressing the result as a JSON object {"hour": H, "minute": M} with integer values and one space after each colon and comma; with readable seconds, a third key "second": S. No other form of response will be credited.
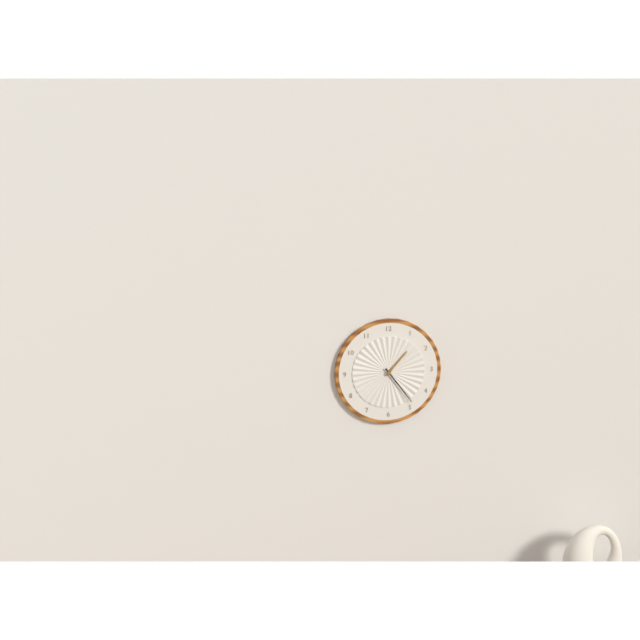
{"hour": 1, "minute": 24}
